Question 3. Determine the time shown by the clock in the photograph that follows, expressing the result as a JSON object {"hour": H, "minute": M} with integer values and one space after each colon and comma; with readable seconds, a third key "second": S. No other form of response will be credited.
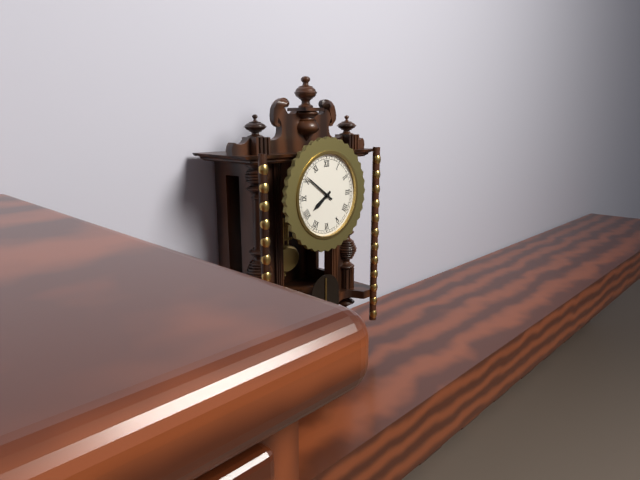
{"hour": 7, "minute": 51}
